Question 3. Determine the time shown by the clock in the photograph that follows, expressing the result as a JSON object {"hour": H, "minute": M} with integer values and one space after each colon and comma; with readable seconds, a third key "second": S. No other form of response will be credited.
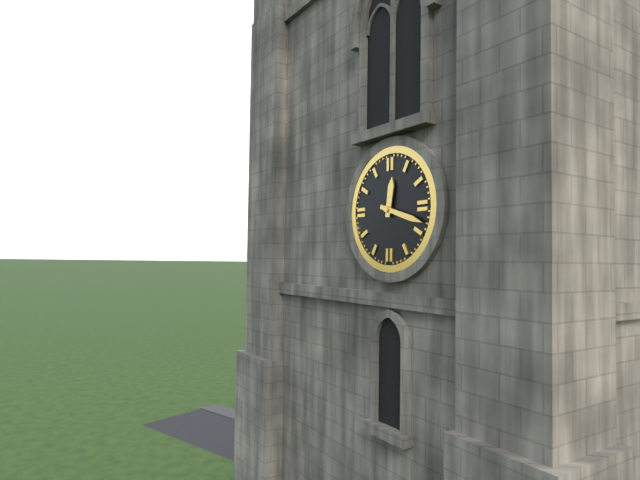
{"hour": 12, "minute": 18}
